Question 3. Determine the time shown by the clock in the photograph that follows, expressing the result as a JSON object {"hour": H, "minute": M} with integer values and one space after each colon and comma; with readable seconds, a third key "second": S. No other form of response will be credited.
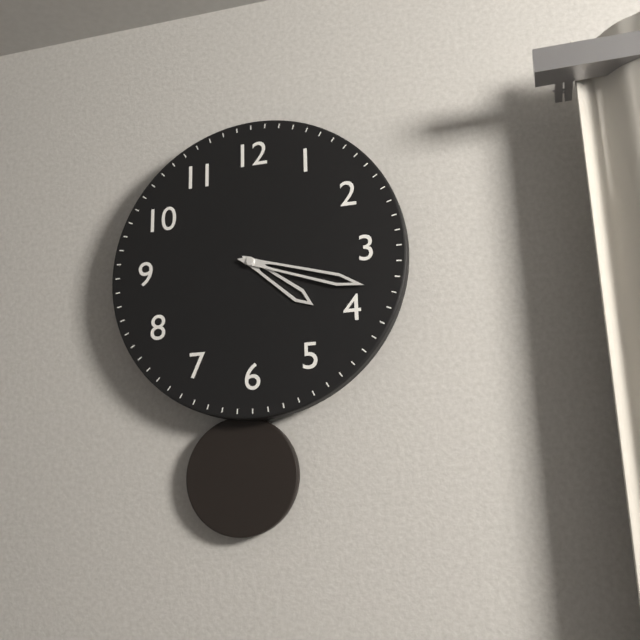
{"hour": 4, "minute": 18}
